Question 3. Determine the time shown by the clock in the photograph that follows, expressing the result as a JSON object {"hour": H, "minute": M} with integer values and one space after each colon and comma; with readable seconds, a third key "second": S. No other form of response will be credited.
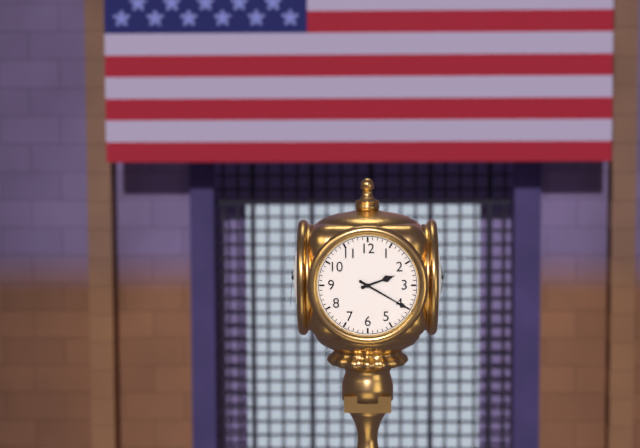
{"hour": 2, "minute": 20}
